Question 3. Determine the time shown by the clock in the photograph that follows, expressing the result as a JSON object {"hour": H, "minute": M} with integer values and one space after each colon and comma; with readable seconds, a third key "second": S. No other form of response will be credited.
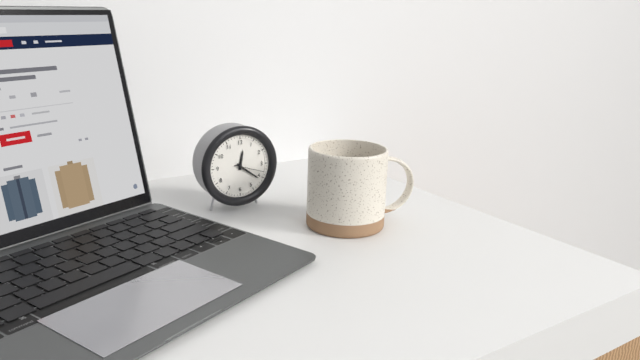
{"hour": 12, "minute": 21}
